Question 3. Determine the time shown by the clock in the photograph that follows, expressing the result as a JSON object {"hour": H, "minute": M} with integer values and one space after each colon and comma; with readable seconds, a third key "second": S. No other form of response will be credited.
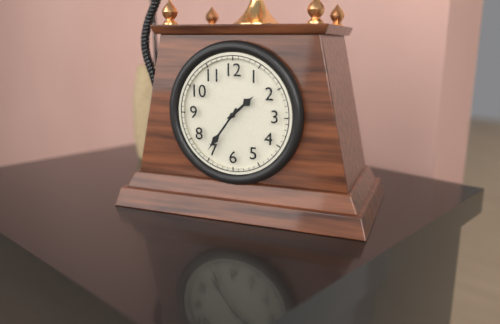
{"hour": 1, "minute": 36}
